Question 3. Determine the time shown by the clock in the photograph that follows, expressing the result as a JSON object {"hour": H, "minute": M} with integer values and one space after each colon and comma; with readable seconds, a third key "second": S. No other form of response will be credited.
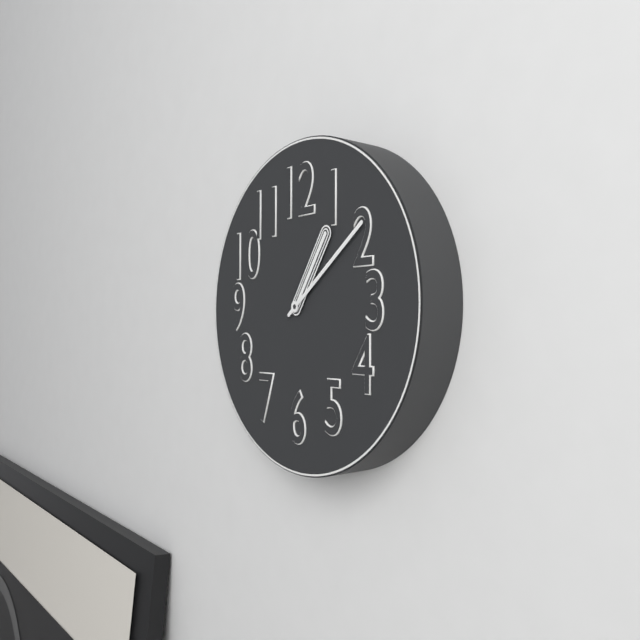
{"hour": 1, "minute": 9}
